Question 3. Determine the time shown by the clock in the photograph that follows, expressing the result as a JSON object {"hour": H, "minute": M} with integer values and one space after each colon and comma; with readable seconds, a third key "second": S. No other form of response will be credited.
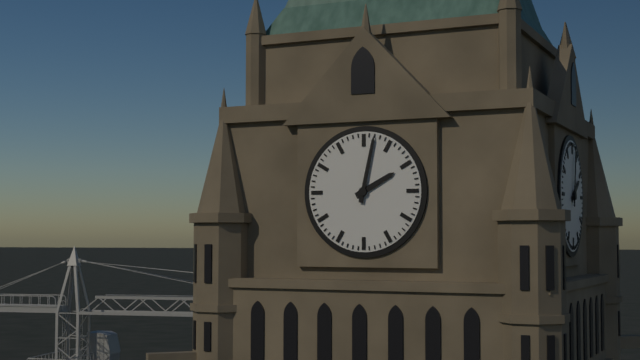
{"hour": 2, "minute": 2}
